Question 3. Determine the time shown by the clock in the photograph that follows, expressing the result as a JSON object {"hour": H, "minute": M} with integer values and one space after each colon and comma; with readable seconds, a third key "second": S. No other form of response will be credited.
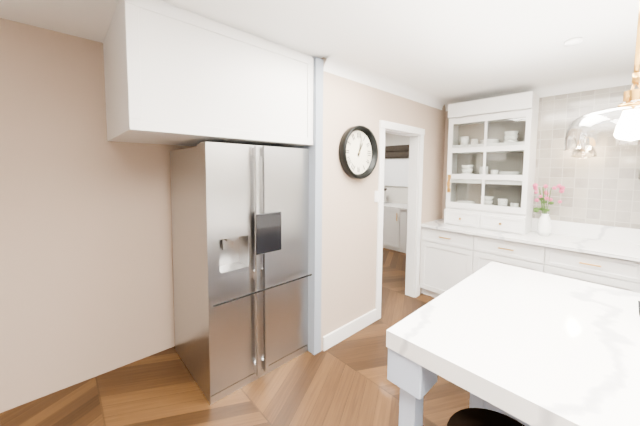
{"hour": 1, "minute": 2}
